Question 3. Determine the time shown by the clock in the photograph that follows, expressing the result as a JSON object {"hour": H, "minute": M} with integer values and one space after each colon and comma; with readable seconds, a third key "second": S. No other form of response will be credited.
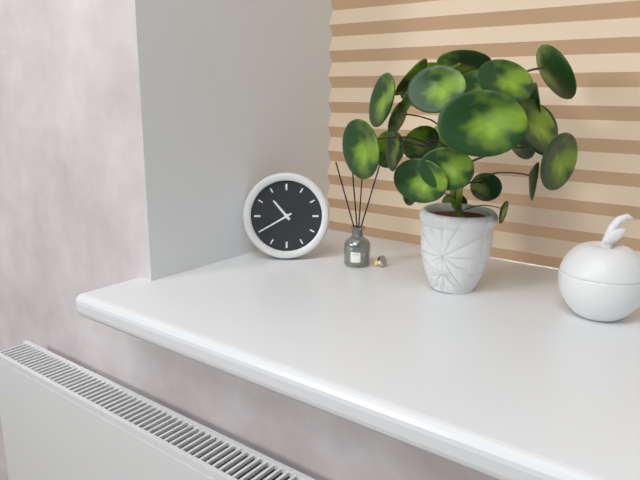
{"hour": 10, "minute": 40}
